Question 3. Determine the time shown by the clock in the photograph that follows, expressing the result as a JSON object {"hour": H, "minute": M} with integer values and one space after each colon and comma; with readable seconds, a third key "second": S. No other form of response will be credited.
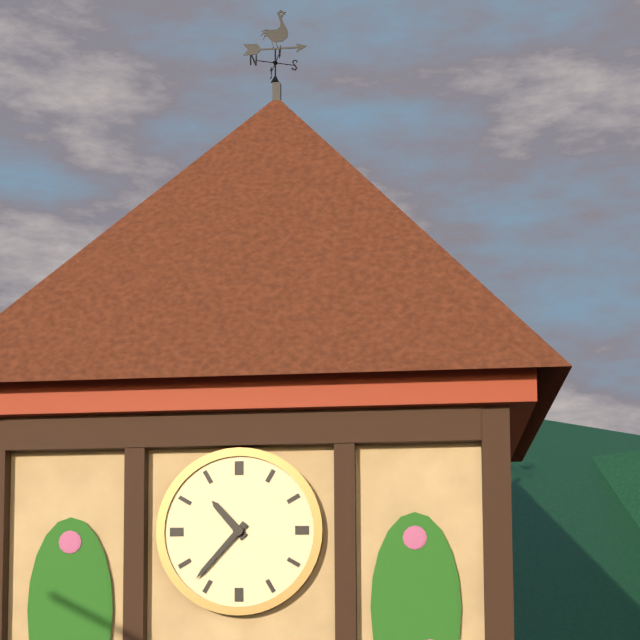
{"hour": 10, "minute": 37}
